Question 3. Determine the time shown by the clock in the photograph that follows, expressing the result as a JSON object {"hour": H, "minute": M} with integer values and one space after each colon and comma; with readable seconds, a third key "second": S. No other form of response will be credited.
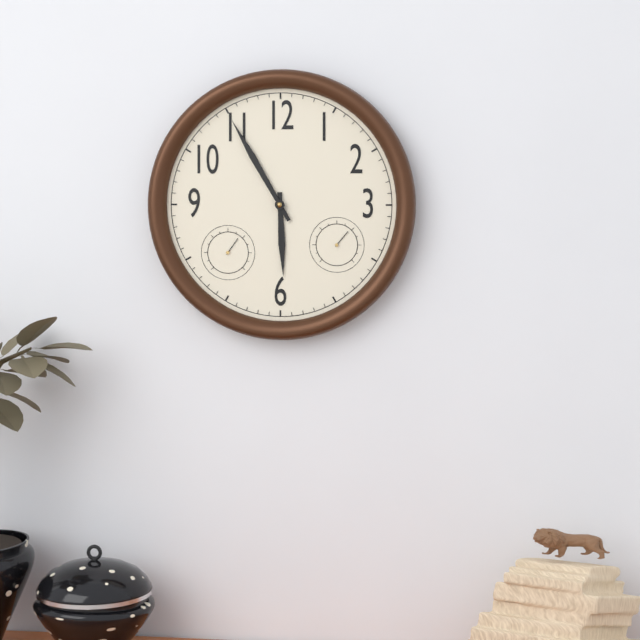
{"hour": 5, "minute": 55}
